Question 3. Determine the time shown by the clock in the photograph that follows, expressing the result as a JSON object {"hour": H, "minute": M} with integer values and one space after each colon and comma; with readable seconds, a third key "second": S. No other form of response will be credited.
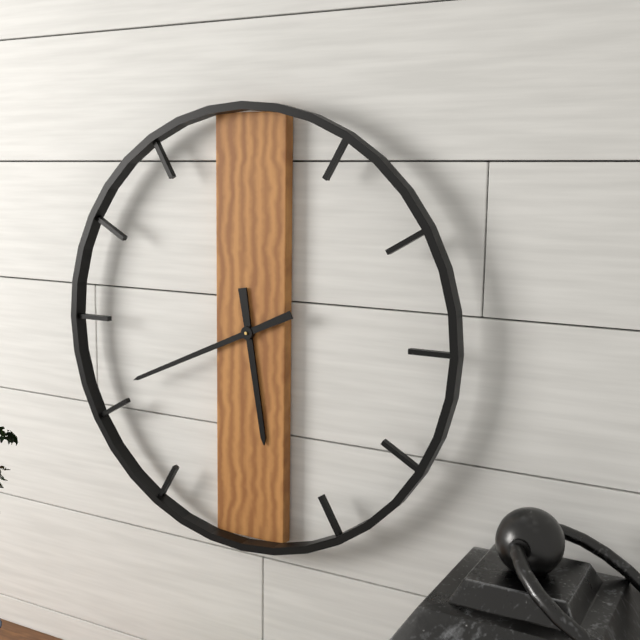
{"hour": 5, "minute": 41}
